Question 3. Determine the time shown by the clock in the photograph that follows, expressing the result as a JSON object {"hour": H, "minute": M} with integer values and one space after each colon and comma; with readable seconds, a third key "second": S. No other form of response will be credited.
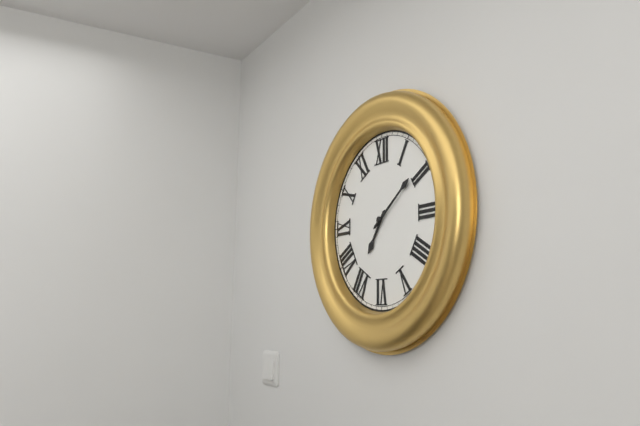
{"hour": 7, "minute": 9}
